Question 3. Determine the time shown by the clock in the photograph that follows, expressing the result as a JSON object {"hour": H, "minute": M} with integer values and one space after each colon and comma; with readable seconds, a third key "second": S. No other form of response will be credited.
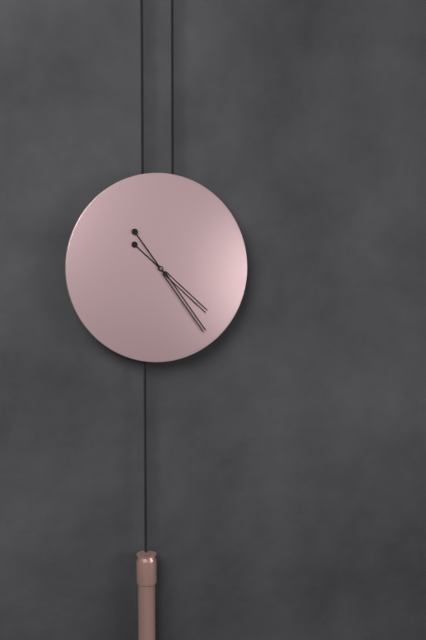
{"hour": 4, "minute": 24}
